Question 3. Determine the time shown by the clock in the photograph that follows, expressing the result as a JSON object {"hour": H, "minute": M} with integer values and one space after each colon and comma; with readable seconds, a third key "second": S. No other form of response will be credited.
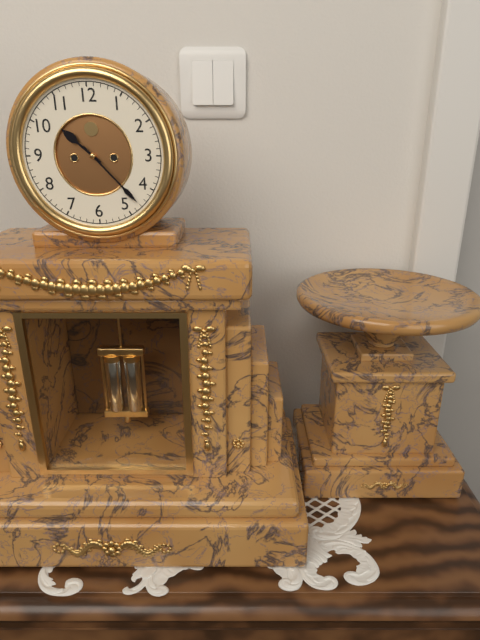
{"hour": 10, "minute": 23}
